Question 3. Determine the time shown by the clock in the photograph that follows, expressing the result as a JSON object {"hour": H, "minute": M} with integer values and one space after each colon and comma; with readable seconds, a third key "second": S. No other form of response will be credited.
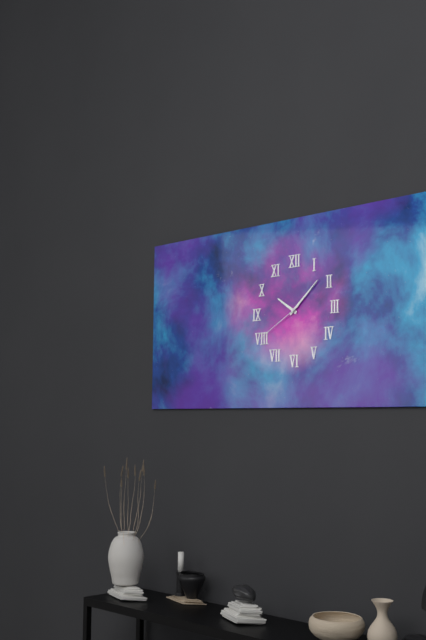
{"hour": 10, "minute": 8, "second": 40}
